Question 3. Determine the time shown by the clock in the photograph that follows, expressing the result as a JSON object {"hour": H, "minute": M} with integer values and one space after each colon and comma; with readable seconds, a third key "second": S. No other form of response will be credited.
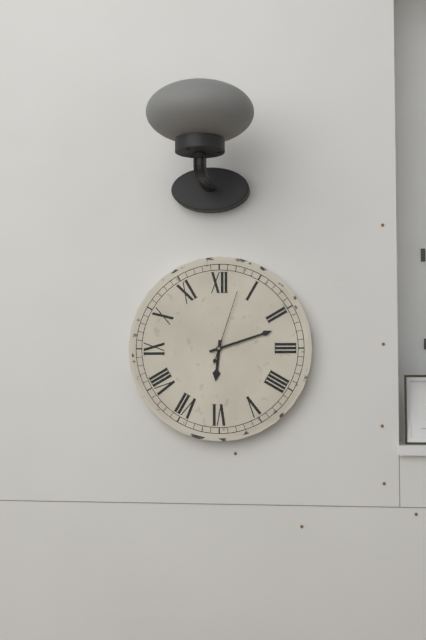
{"hour": 6, "minute": 12, "second": 3}
